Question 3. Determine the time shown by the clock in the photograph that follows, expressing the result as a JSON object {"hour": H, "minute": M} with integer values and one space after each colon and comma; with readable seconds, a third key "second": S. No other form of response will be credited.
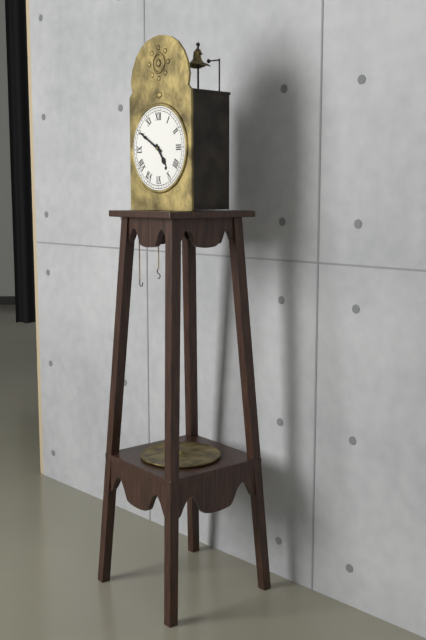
{"hour": 4, "minute": 50}
